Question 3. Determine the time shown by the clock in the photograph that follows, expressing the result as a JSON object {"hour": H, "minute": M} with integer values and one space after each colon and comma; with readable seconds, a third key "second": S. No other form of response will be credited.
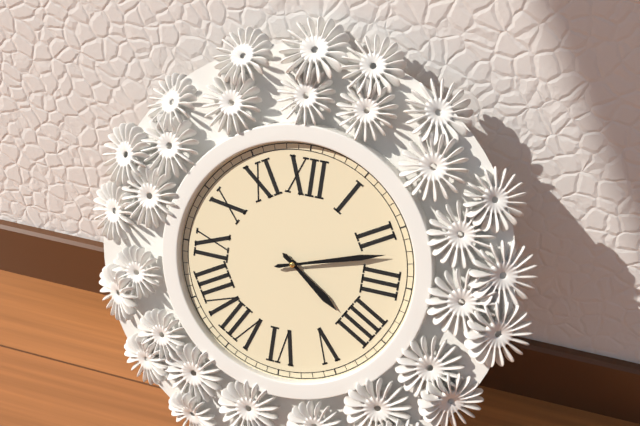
{"hour": 4, "minute": 12}
